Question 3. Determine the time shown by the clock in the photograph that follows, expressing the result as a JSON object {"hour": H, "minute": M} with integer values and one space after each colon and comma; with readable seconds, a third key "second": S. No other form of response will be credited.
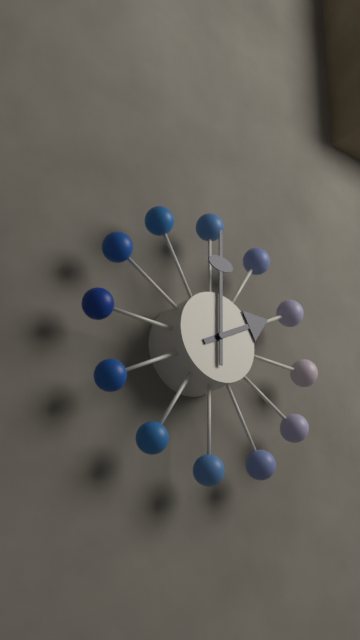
{"hour": 2, "minute": 0}
